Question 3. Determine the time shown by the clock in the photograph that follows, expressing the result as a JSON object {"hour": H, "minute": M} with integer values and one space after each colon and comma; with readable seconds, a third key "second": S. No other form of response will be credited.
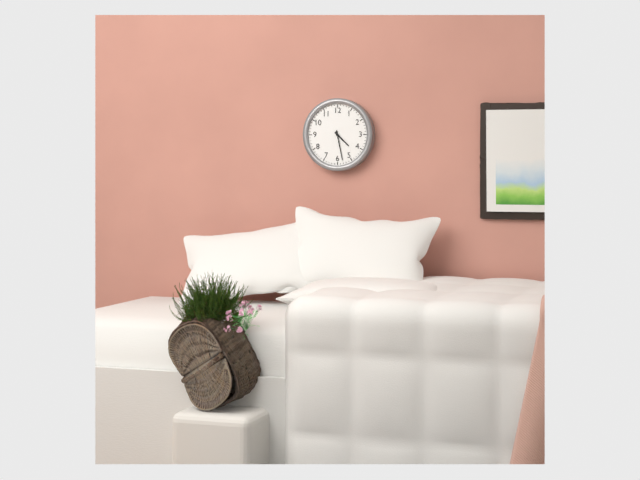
{"hour": 4, "minute": 28}
